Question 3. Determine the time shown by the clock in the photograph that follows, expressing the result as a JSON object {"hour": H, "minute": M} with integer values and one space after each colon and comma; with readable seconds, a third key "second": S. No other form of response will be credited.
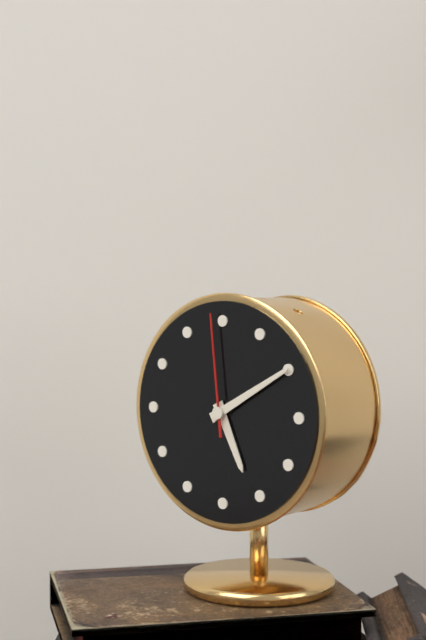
{"hour": 5, "minute": 10, "second": 59}
